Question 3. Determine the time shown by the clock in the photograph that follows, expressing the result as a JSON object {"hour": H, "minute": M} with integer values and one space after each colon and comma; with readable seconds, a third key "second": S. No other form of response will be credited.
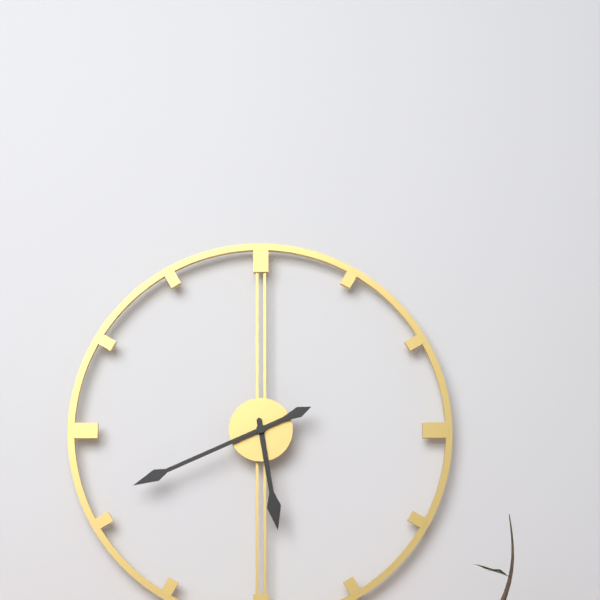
{"hour": 5, "minute": 41}
